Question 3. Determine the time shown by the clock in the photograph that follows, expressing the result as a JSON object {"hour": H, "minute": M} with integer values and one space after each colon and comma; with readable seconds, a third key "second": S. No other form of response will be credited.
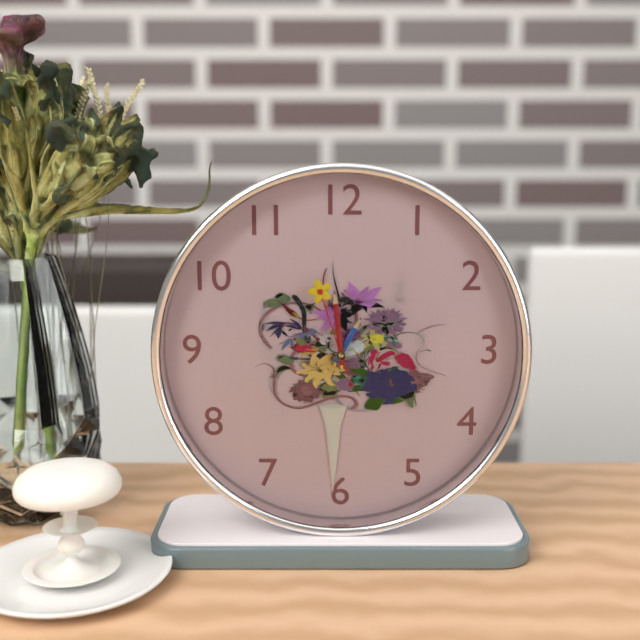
{"hour": 12, "minute": 59, "second": 57}
